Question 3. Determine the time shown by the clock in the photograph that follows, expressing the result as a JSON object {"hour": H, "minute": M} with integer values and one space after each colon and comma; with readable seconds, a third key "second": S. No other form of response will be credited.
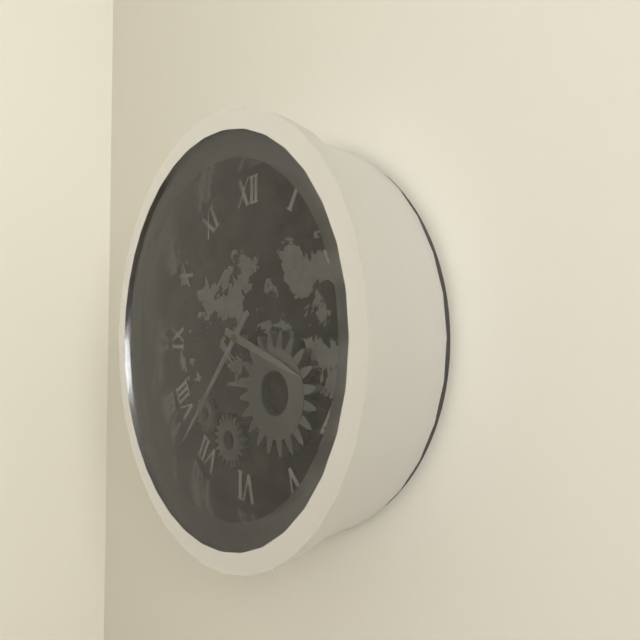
{"hour": 3, "minute": 37}
